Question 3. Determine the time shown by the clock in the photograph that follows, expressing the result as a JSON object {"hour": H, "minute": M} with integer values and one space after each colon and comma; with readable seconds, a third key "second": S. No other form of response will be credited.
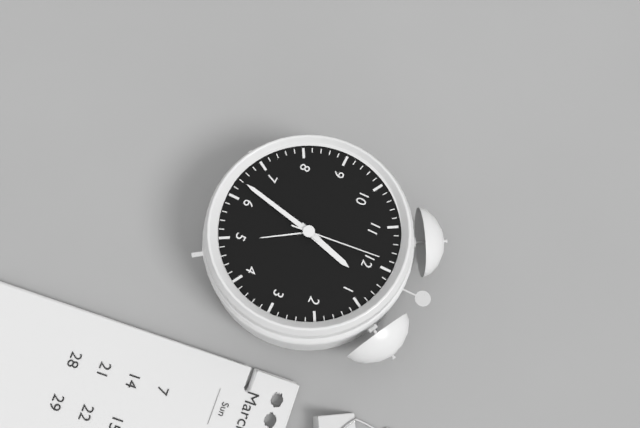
{"hour": 12, "minute": 32, "second": 59}
